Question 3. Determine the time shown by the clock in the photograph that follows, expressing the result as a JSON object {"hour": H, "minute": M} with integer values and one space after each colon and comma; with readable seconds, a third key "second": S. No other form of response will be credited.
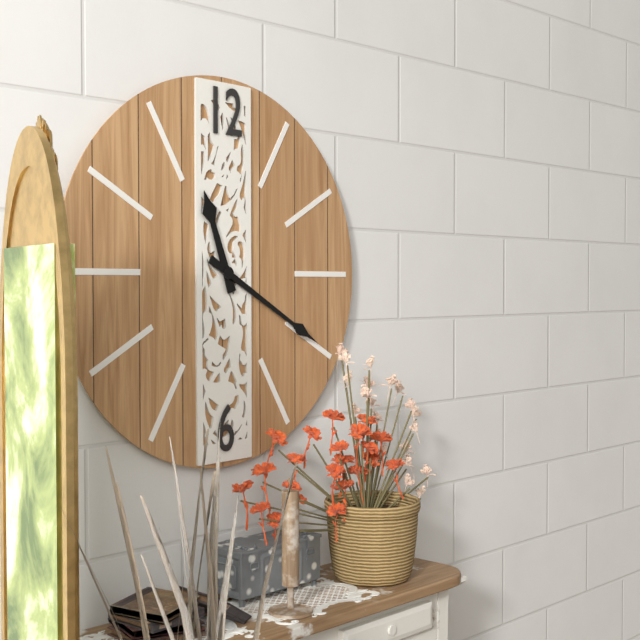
{"hour": 11, "minute": 20}
